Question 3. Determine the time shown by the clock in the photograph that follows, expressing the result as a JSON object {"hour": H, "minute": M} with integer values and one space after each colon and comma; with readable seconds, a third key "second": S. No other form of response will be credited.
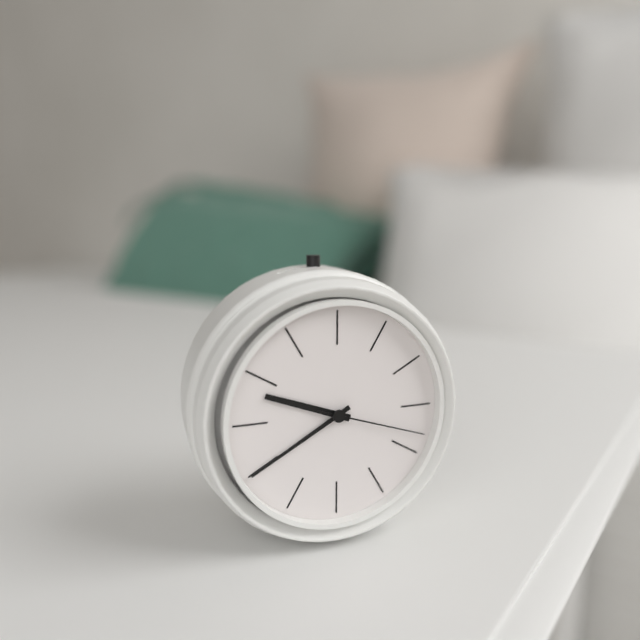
{"hour": 9, "minute": 40, "second": 18}
